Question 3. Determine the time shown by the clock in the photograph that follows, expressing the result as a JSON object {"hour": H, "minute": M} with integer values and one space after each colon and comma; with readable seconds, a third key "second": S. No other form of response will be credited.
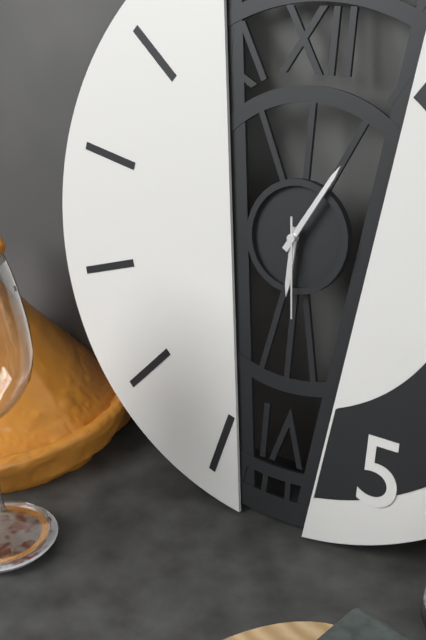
{"hour": 6, "minute": 5, "second": 29}
